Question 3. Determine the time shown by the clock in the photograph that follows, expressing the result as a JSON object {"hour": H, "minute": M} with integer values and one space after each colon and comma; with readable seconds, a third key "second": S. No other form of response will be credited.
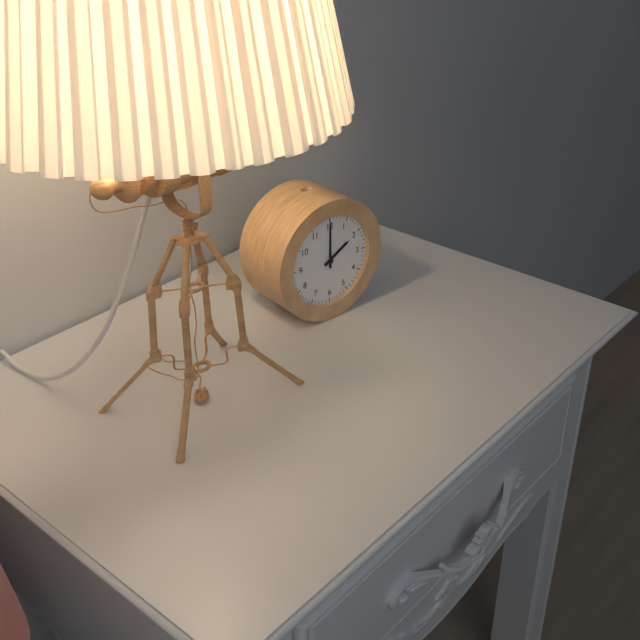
{"hour": 2, "minute": 0}
